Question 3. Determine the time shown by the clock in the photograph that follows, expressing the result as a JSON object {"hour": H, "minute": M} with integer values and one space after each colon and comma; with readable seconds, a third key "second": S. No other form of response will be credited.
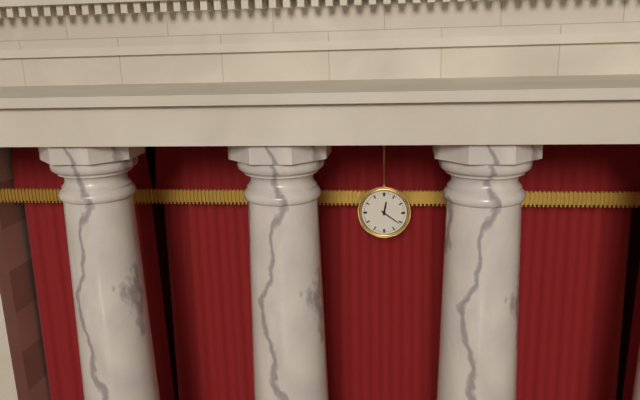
{"hour": 12, "minute": 21}
